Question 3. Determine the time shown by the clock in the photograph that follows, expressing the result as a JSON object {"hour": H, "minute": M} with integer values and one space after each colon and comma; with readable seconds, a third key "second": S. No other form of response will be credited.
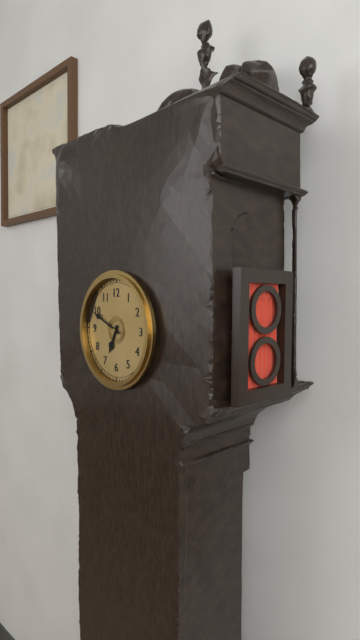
{"hour": 6, "minute": 49}
